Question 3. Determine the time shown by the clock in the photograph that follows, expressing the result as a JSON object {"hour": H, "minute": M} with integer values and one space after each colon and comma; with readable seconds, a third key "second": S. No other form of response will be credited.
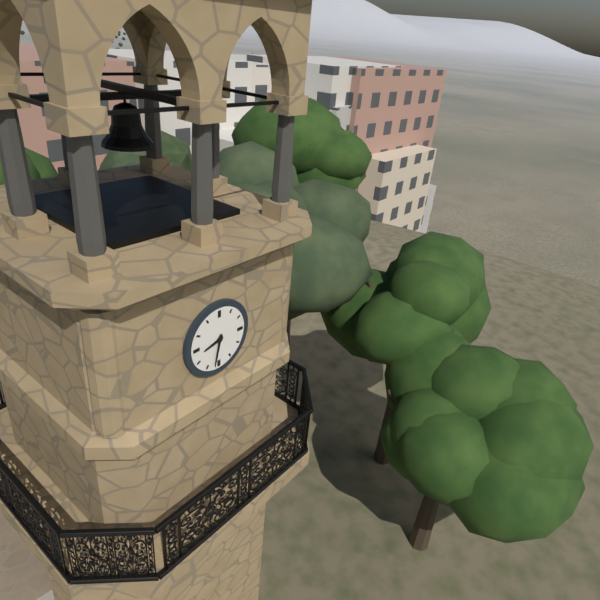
{"hour": 8, "minute": 32}
